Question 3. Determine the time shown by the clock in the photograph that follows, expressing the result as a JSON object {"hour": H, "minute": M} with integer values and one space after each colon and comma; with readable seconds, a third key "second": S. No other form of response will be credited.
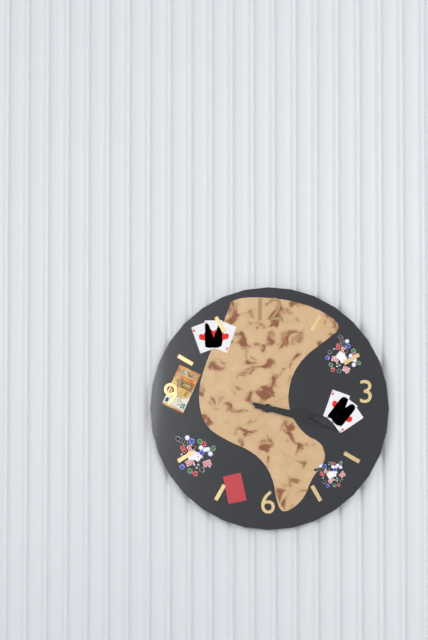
{"hour": 3, "minute": 18}
